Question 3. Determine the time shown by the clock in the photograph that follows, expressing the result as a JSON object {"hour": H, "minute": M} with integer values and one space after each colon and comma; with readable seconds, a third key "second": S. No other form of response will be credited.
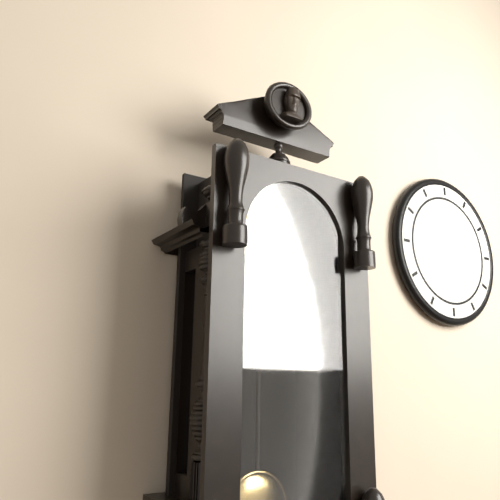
{"hour": 12, "minute": 21}
